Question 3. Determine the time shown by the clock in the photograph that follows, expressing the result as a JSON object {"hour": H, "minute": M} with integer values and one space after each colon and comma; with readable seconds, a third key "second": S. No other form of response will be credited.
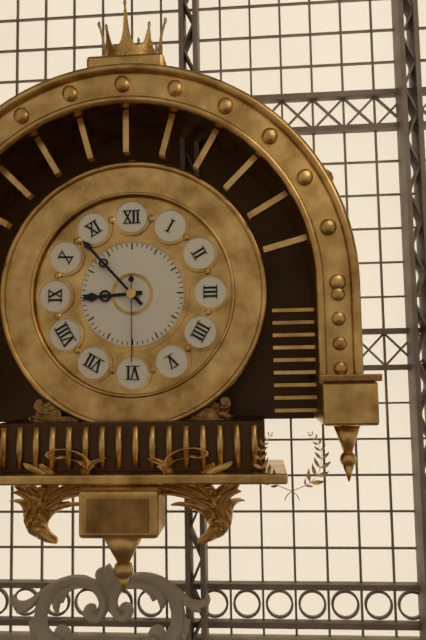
{"hour": 8, "minute": 53, "second": 30}
